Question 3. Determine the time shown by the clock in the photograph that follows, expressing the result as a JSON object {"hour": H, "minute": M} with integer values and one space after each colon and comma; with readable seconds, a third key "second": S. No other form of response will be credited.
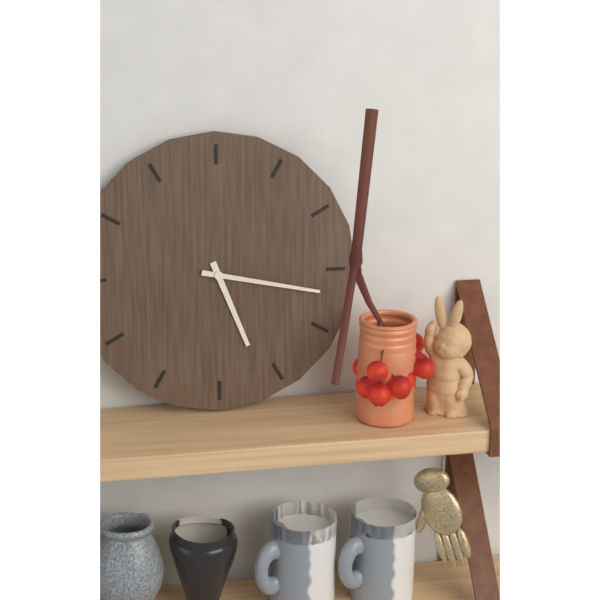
{"hour": 5, "minute": 17}
